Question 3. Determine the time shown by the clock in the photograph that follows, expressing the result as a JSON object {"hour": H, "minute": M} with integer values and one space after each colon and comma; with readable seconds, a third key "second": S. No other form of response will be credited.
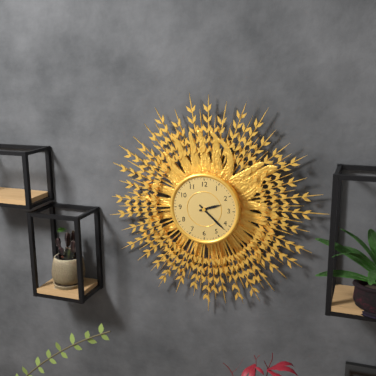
{"hour": 2, "minute": 22}
